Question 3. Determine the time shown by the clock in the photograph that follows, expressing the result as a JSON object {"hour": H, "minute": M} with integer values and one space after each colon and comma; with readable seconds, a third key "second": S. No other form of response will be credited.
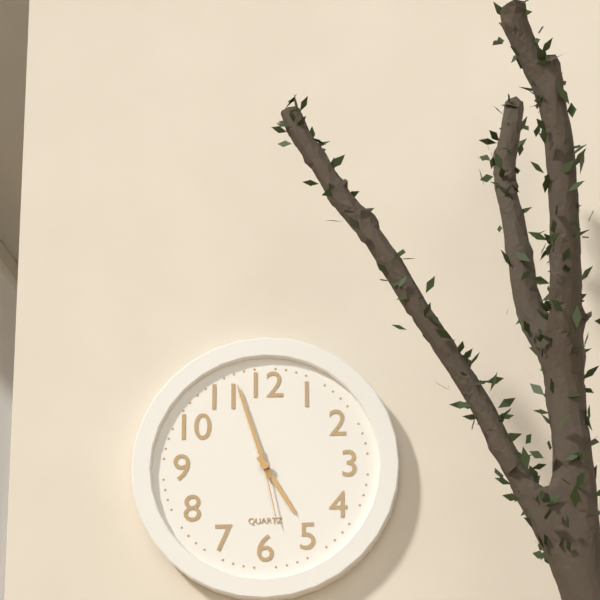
{"hour": 4, "minute": 57, "second": 28}
